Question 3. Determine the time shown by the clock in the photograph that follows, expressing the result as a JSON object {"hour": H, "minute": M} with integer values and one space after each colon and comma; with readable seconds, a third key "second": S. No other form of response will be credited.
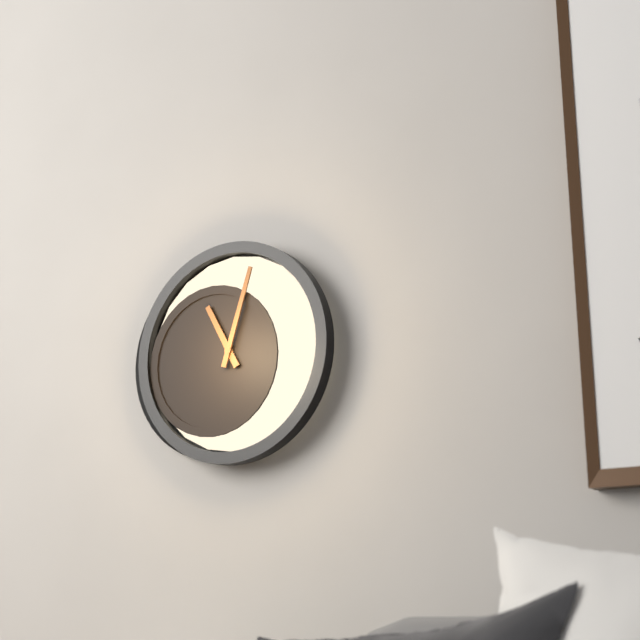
{"hour": 11, "minute": 3}
